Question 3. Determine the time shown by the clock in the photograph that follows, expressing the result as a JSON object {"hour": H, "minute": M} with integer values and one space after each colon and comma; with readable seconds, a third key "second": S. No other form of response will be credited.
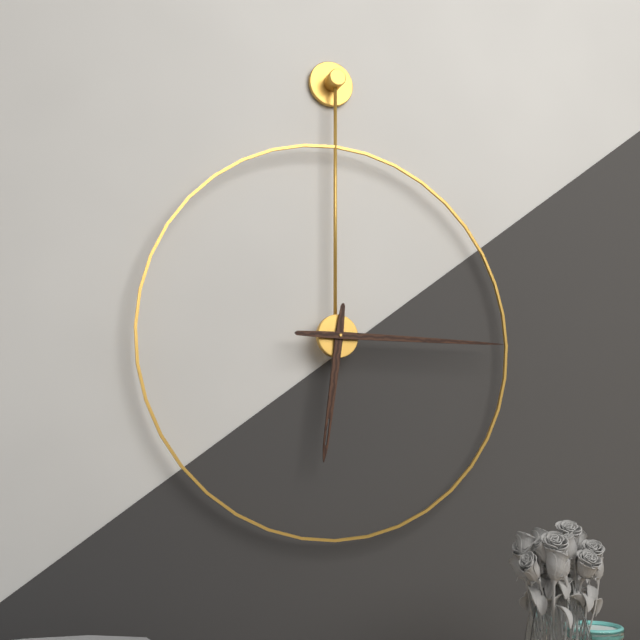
{"hour": 6, "minute": 15}
